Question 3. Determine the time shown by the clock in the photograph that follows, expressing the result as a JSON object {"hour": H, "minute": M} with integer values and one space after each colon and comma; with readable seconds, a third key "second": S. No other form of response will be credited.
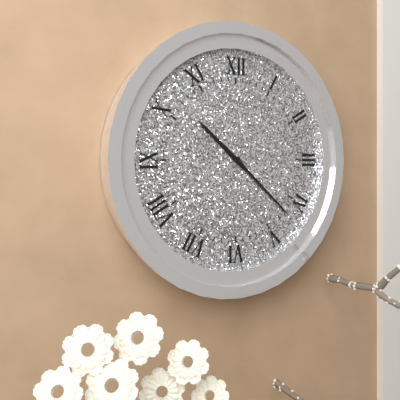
{"hour": 10, "minute": 22}
